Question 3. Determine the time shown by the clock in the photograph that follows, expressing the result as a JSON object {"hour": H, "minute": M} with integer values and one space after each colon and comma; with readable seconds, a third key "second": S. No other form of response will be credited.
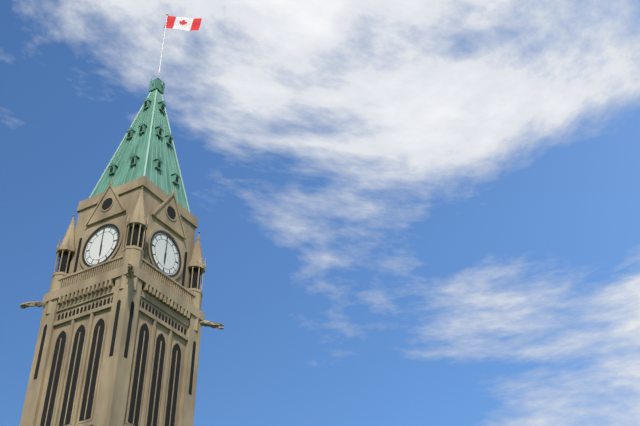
{"hour": 6, "minute": 0}
